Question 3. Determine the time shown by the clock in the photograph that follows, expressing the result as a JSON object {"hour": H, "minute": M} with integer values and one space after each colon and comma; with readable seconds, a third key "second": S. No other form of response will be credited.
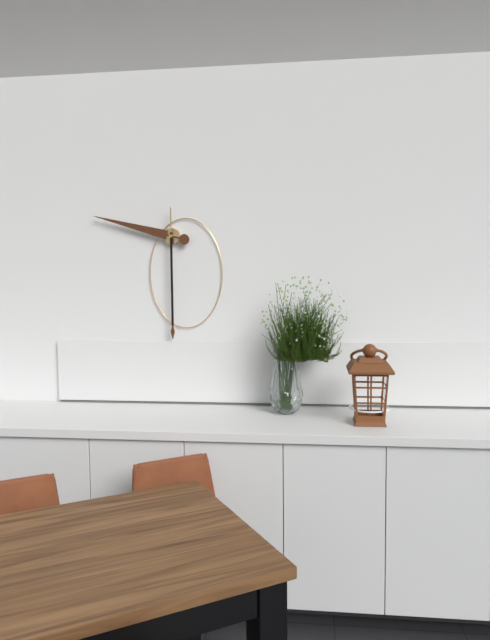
{"hour": 9, "minute": 30}
